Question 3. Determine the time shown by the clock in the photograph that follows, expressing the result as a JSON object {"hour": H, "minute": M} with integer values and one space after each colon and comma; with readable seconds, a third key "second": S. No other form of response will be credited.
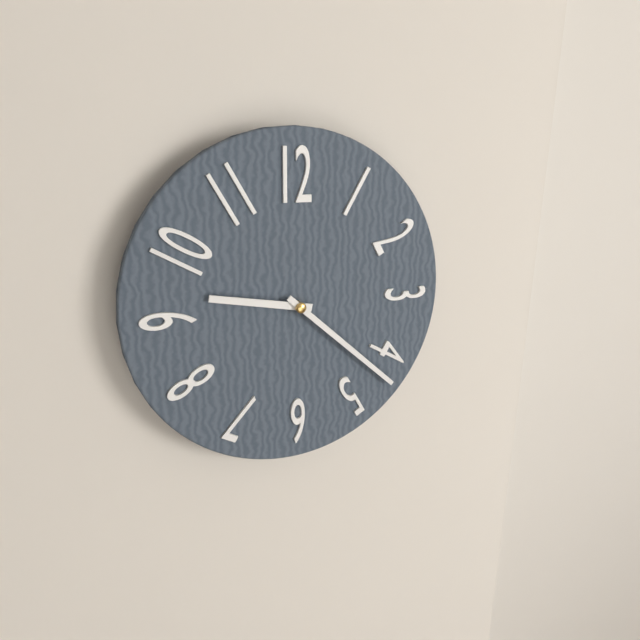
{"hour": 9, "minute": 22}
